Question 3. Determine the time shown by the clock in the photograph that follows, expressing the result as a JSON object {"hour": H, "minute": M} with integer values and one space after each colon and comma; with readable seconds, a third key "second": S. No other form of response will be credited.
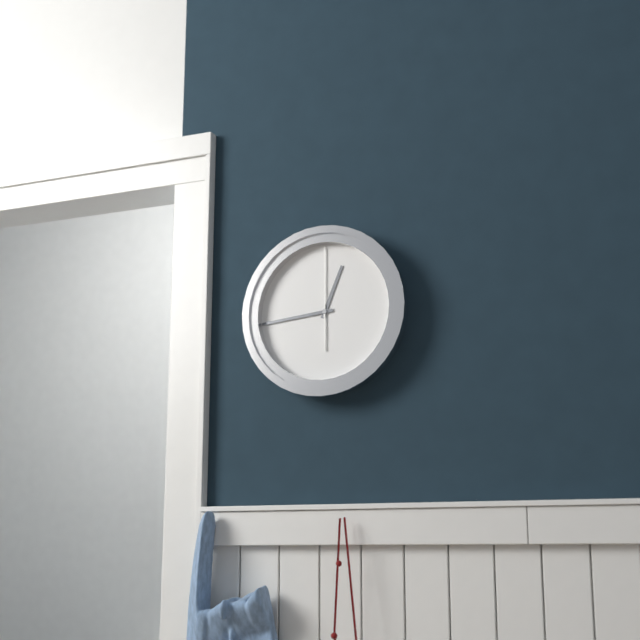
{"hour": 12, "minute": 44, "second": 0}
